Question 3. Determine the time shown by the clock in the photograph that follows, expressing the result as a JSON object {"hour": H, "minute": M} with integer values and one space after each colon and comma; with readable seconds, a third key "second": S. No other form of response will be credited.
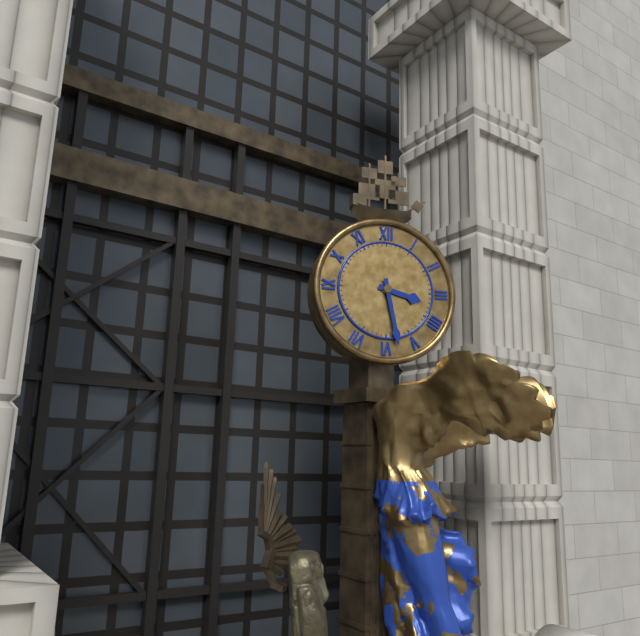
{"hour": 3, "minute": 28}
